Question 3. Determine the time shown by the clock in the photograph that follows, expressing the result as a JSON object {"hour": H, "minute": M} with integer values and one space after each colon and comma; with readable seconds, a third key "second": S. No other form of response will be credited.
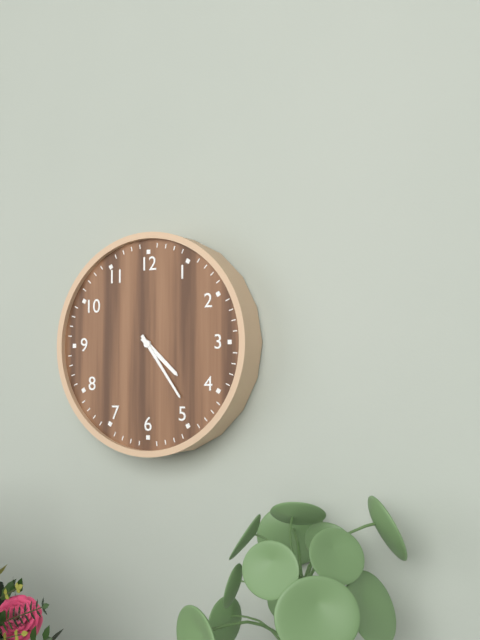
{"hour": 4, "minute": 24}
